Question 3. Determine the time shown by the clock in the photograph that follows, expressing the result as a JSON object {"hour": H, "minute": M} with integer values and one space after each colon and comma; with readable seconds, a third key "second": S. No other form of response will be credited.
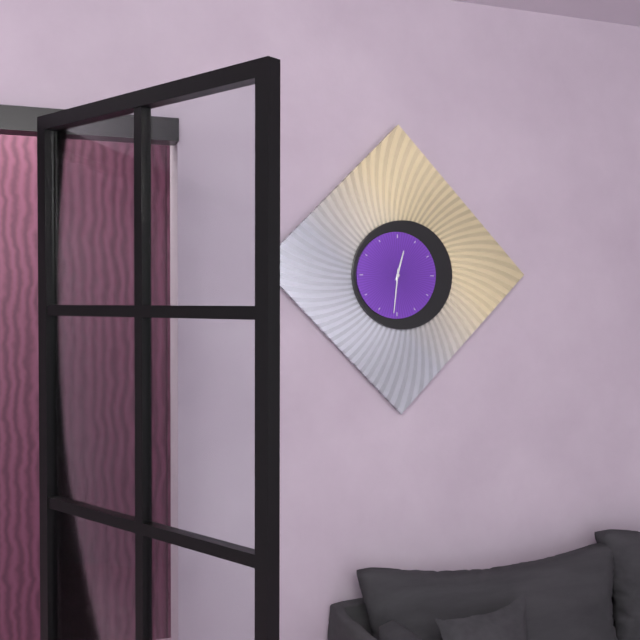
{"hour": 12, "minute": 31}
